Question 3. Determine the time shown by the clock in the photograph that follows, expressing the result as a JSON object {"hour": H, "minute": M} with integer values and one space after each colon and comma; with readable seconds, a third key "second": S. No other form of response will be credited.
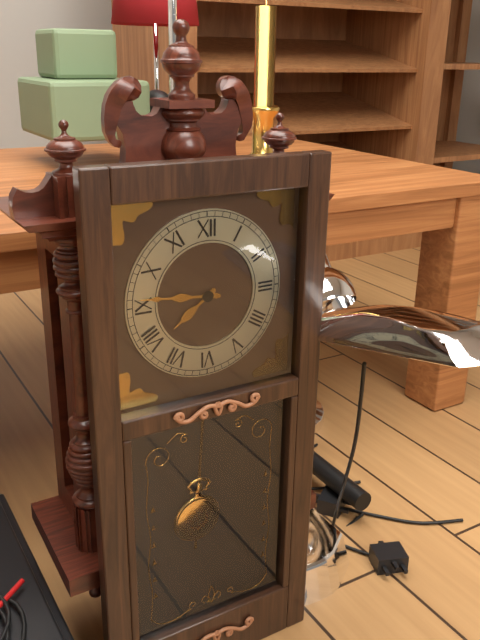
{"hour": 7, "minute": 46}
